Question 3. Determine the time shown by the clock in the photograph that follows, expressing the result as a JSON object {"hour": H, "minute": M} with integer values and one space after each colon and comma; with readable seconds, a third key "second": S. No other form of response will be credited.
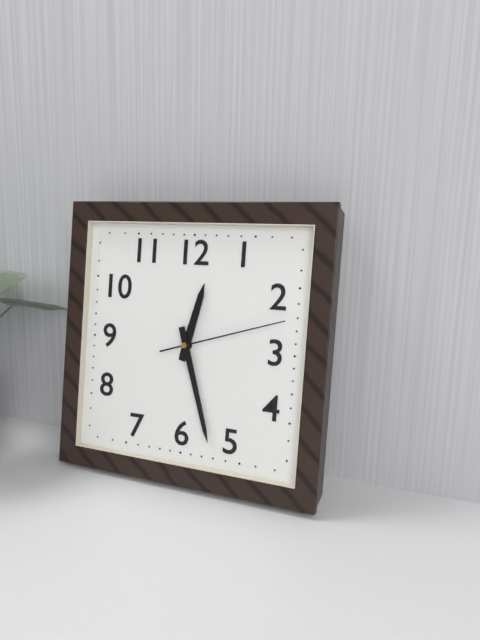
{"hour": 12, "minute": 27, "second": 12}
